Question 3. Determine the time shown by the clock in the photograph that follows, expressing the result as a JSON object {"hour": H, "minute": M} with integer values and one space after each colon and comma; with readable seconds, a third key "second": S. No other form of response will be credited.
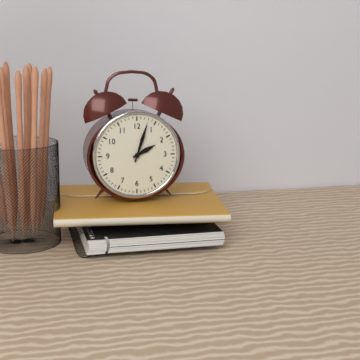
{"hour": 2, "minute": 3}
